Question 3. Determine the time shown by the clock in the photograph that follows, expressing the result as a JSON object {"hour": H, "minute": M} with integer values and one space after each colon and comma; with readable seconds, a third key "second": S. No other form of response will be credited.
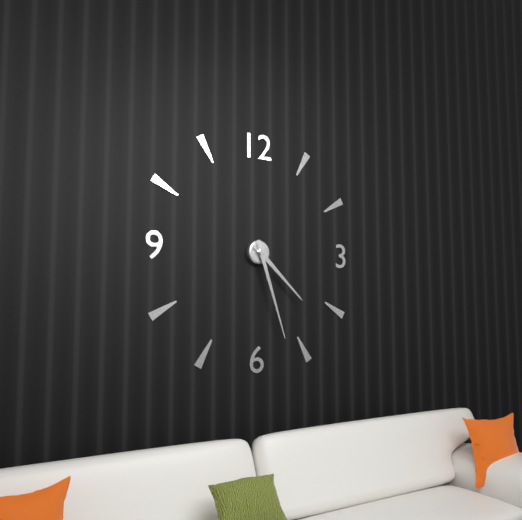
{"hour": 4, "minute": 27}
